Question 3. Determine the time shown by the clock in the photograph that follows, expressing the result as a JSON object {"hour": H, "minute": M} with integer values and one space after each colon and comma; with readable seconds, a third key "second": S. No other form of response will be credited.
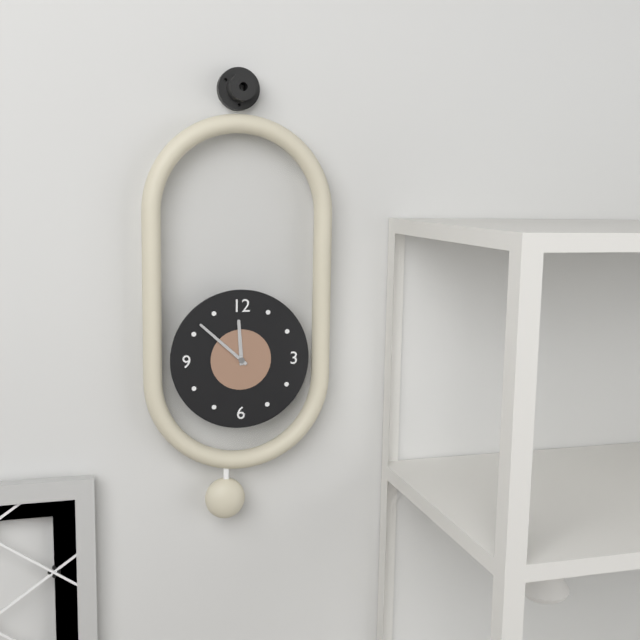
{"hour": 11, "minute": 52}
